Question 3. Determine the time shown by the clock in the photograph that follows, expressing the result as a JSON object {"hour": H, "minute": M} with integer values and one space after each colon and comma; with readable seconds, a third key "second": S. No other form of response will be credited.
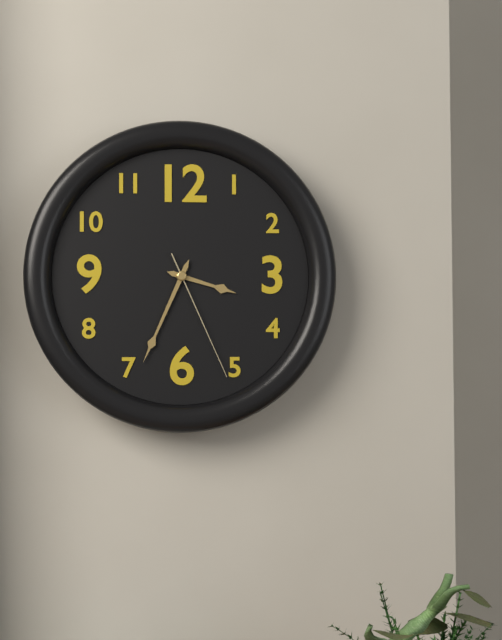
{"hour": 3, "minute": 34, "second": 26}
